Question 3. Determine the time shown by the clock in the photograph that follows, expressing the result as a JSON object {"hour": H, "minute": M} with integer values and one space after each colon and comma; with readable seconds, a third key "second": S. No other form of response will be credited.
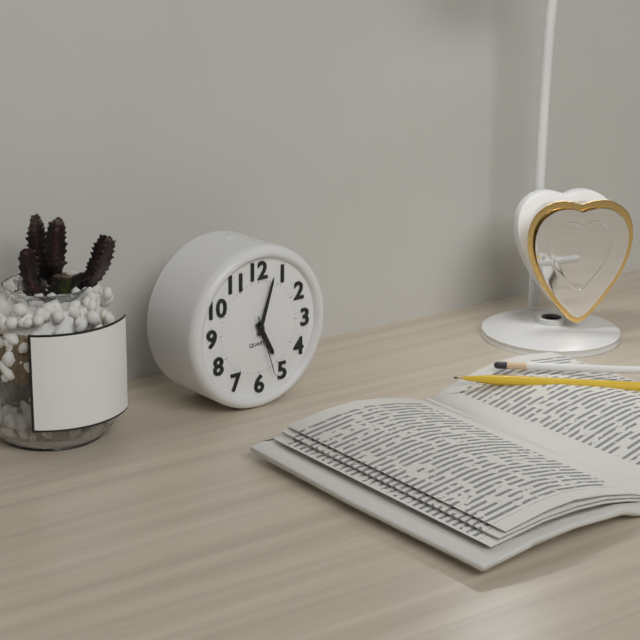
{"hour": 5, "minute": 3, "second": 27}
